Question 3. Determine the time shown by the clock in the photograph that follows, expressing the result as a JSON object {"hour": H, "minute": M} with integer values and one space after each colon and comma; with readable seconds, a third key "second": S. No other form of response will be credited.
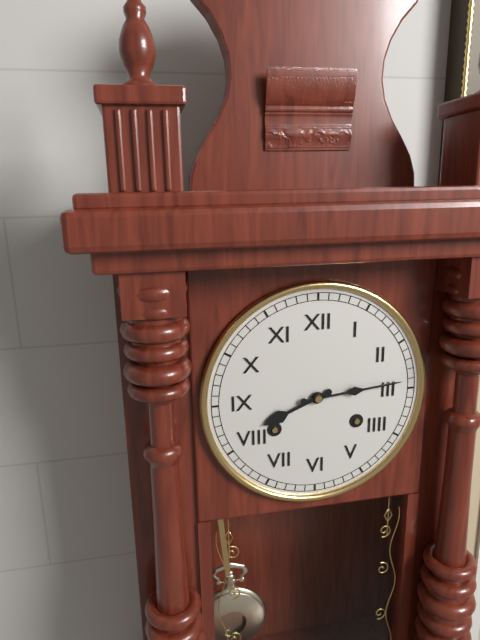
{"hour": 8, "minute": 14}
